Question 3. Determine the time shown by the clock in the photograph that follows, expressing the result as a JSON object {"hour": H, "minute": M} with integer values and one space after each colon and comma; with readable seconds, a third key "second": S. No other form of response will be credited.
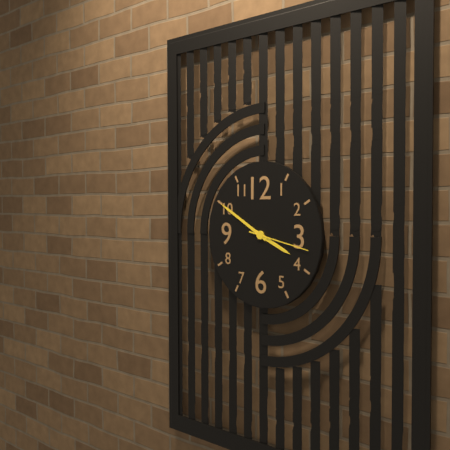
{"hour": 3, "minute": 50, "second": 17}
